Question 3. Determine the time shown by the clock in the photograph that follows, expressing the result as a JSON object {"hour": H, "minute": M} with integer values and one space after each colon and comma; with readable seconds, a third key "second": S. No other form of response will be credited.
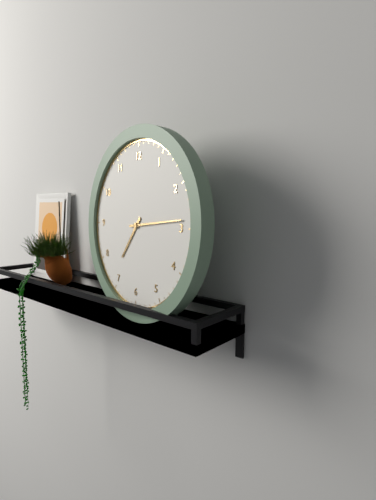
{"hour": 7, "minute": 14}
